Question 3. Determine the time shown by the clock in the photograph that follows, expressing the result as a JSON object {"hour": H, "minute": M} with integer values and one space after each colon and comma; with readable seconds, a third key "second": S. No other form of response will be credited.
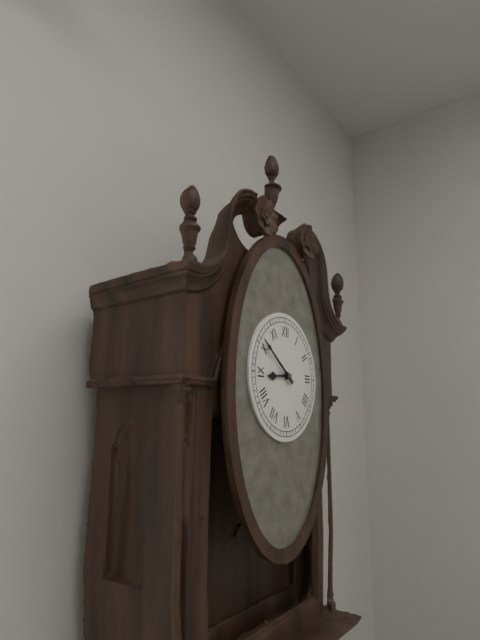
{"hour": 8, "minute": 51}
